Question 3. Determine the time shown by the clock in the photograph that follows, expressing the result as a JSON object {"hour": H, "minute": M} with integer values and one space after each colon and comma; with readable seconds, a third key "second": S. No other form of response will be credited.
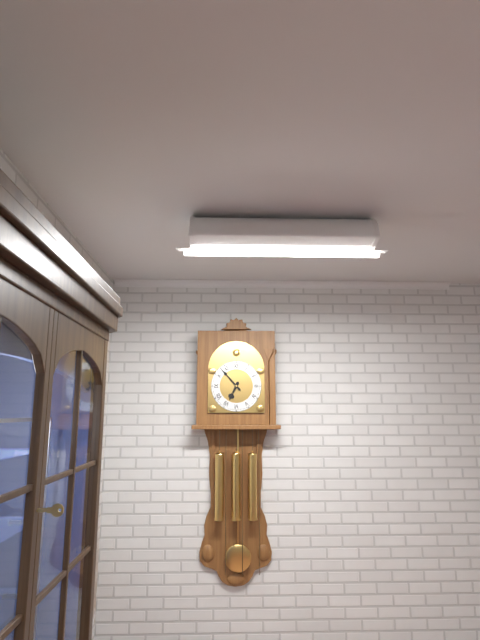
{"hour": 6, "minute": 53}
